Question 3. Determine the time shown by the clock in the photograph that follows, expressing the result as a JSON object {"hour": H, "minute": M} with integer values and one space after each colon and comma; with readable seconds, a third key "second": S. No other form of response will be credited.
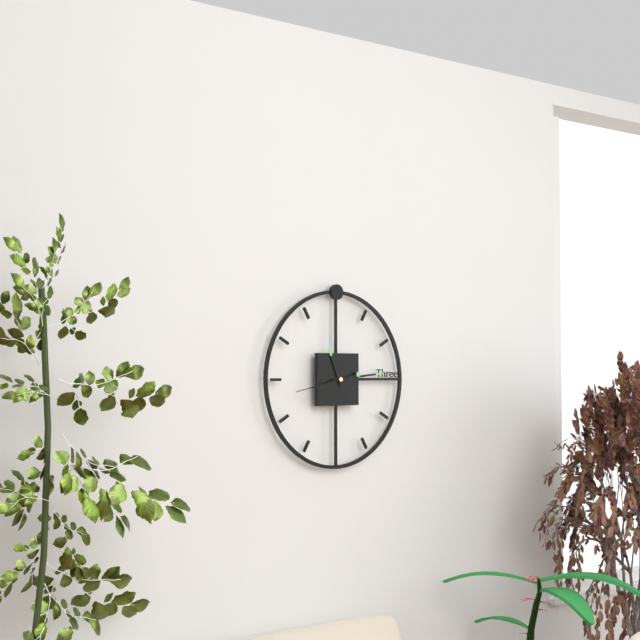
{"hour": 11, "minute": 14, "second": 43}
